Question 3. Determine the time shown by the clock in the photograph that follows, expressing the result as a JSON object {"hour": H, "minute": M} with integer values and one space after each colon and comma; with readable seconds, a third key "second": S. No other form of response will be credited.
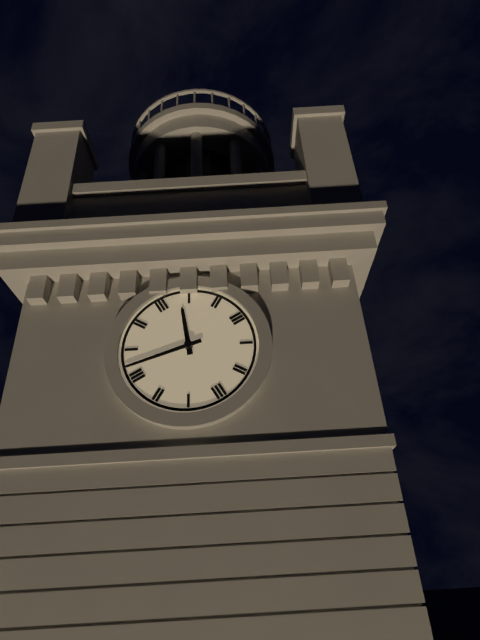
{"hour": 11, "minute": 42}
